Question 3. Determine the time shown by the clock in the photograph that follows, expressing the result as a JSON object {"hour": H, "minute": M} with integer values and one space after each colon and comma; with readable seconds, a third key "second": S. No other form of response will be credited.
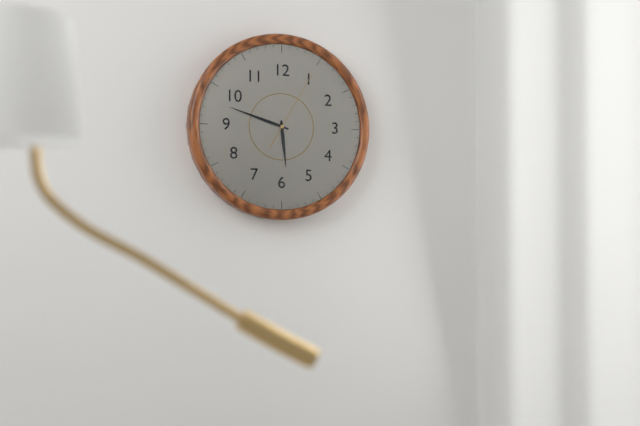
{"hour": 5, "minute": 48, "second": 5}
